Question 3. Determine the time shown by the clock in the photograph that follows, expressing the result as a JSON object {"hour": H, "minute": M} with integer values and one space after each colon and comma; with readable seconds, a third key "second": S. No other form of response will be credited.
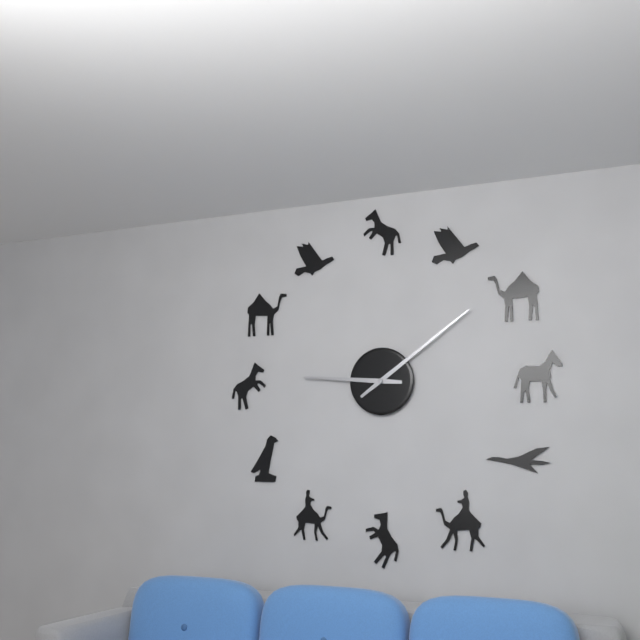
{"hour": 9, "minute": 9}
